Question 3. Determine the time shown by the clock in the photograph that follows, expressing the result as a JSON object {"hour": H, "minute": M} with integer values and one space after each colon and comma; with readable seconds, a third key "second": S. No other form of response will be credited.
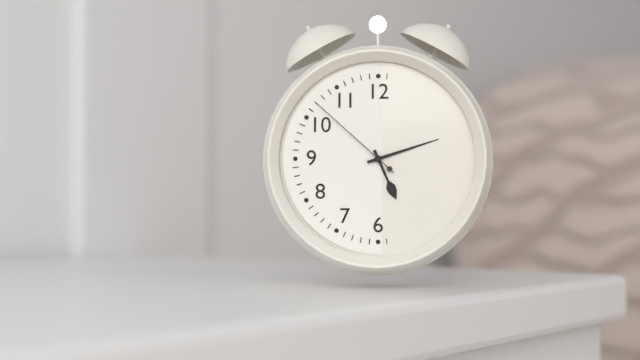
{"hour": 5, "minute": 12, "second": 52}
